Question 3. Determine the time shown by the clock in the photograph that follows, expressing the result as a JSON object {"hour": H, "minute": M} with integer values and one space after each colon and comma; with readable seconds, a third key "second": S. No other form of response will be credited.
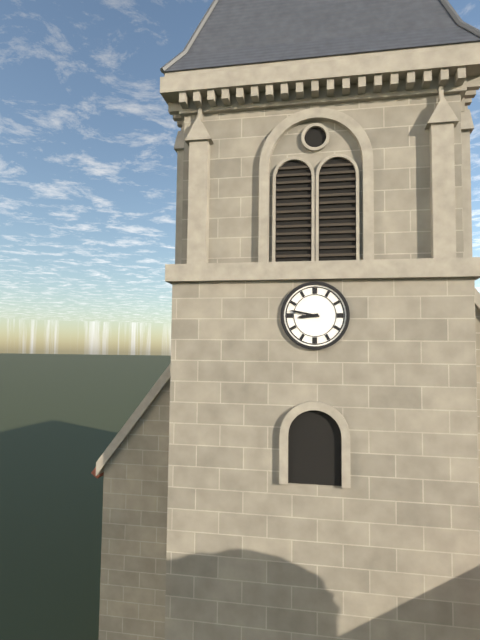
{"hour": 8, "minute": 47}
